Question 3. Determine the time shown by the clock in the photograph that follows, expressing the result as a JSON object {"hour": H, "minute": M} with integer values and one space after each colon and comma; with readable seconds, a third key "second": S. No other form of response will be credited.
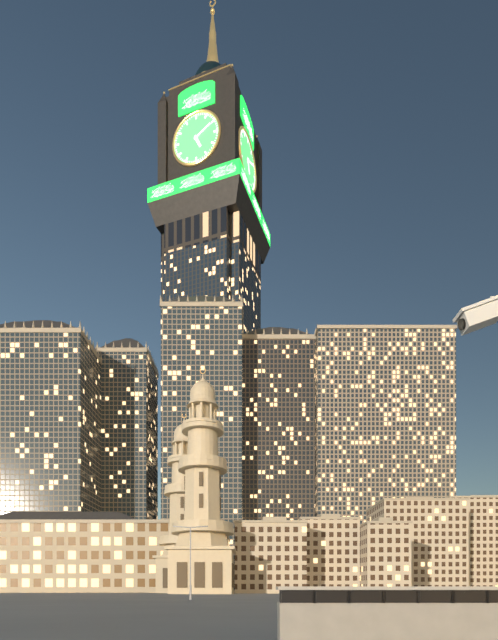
{"hour": 5, "minute": 10}
